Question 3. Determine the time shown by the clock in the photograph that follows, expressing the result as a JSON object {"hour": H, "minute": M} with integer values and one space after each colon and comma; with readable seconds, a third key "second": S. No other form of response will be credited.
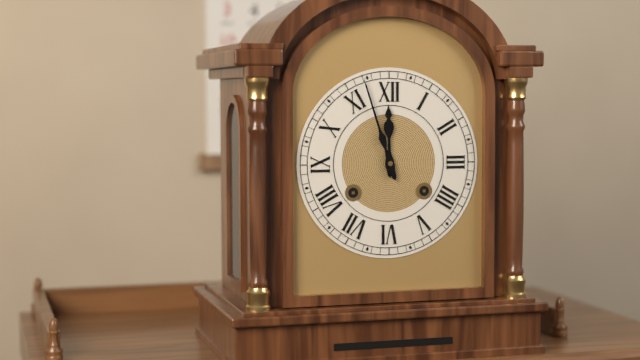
{"hour": 11, "minute": 57}
